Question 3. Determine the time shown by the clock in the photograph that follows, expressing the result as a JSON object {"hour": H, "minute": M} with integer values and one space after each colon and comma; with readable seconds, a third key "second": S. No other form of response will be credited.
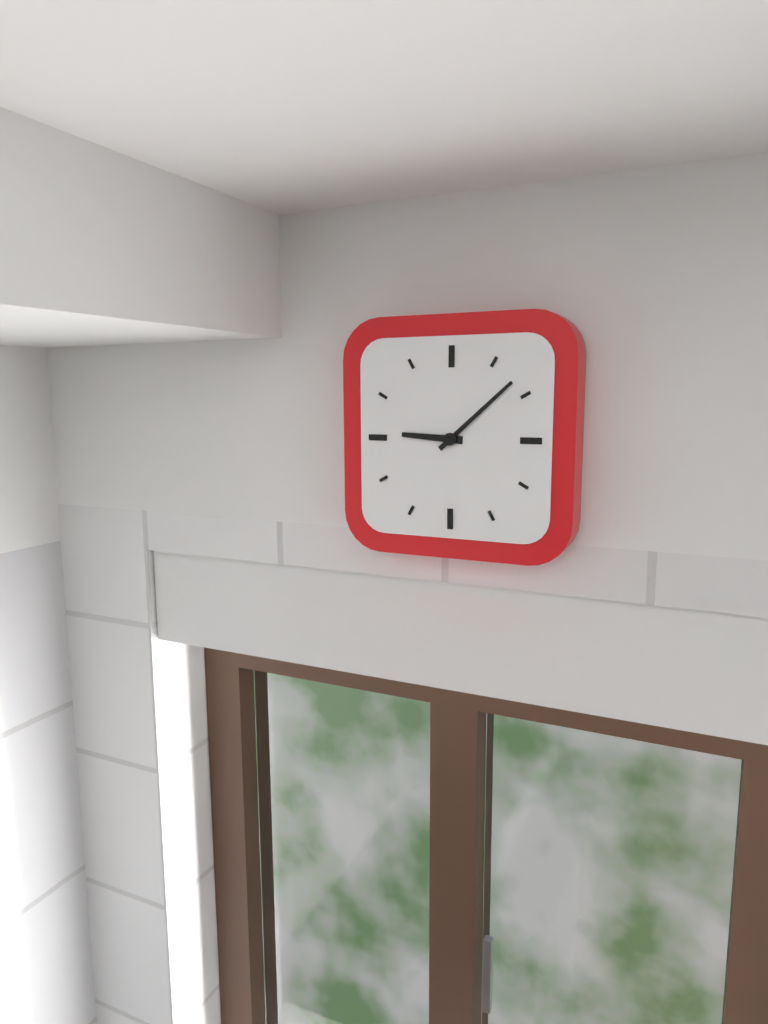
{"hour": 9, "minute": 8}
